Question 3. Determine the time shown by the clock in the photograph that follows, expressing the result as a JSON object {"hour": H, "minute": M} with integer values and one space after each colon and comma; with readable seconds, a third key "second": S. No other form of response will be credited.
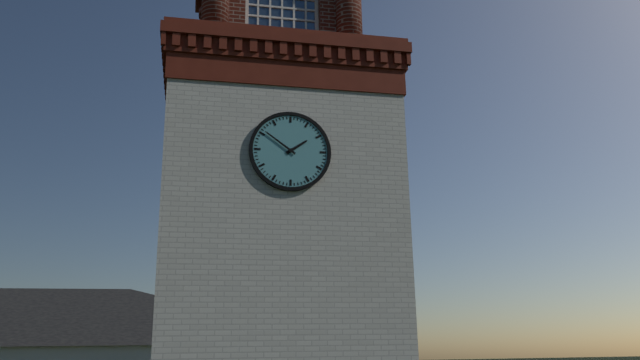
{"hour": 1, "minute": 51}
